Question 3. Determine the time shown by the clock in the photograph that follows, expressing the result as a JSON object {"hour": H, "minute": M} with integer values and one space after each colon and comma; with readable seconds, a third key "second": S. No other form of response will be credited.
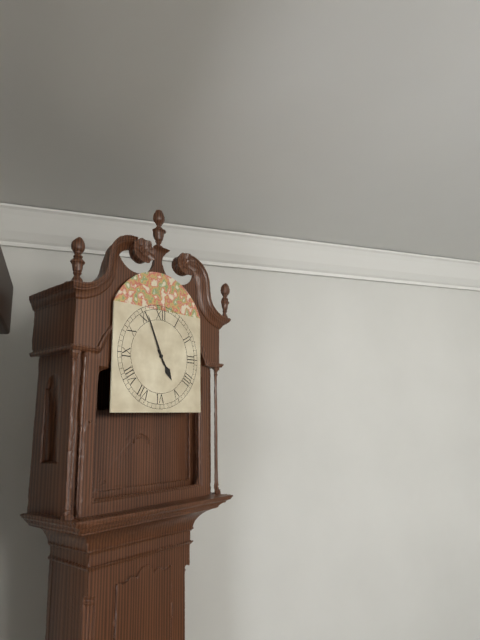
{"hour": 4, "minute": 56}
